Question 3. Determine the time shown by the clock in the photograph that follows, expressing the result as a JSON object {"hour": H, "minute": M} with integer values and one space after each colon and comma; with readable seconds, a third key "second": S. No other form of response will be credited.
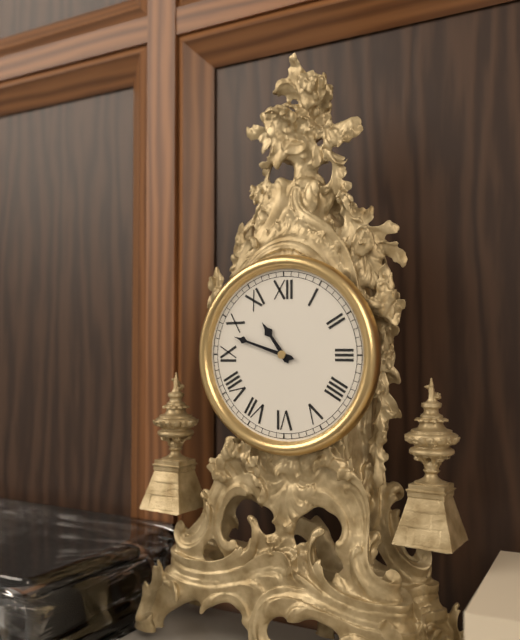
{"hour": 10, "minute": 48}
